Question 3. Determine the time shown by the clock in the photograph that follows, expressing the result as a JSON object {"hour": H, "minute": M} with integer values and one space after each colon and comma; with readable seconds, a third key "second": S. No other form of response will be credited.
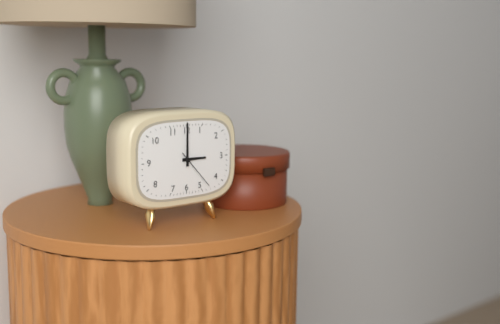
{"hour": 3, "minute": 0}
